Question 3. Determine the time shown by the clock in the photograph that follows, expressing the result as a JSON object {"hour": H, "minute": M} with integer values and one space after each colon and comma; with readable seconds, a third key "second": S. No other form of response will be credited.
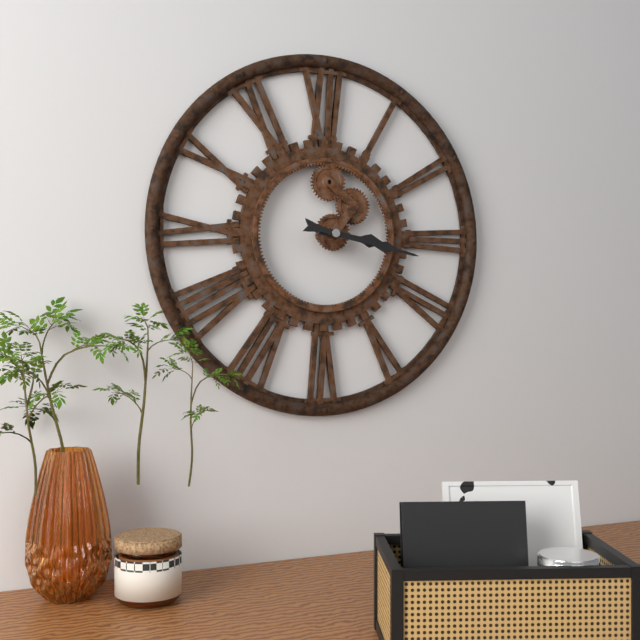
{"hour": 3, "minute": 17}
